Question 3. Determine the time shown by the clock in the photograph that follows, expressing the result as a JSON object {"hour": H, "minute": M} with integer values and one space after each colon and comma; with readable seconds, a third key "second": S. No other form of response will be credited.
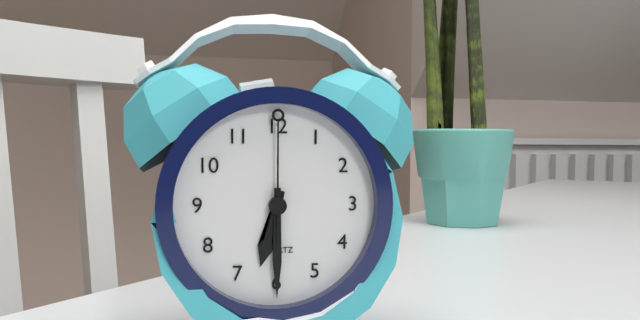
{"hour": 6, "minute": 30, "second": 0}
